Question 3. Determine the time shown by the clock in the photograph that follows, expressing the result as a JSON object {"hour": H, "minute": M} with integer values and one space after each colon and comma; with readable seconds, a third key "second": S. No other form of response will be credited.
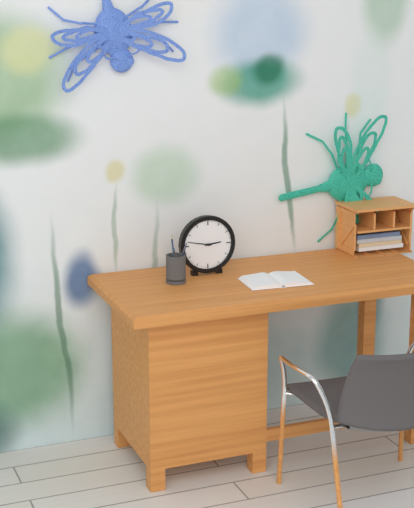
{"hour": 2, "minute": 47}
